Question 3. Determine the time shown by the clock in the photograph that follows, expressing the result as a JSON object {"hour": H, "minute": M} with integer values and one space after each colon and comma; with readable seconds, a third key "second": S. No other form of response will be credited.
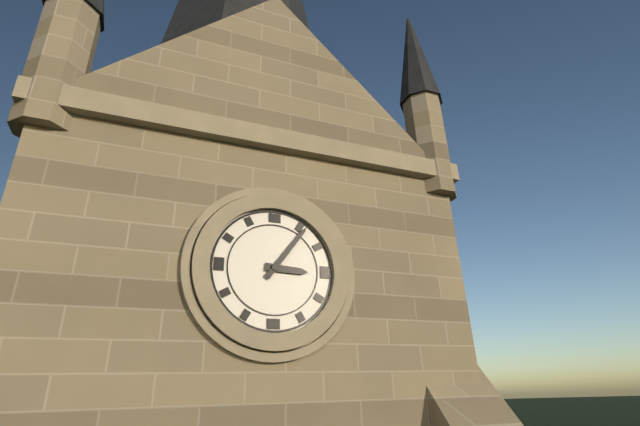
{"hour": 3, "minute": 6}
